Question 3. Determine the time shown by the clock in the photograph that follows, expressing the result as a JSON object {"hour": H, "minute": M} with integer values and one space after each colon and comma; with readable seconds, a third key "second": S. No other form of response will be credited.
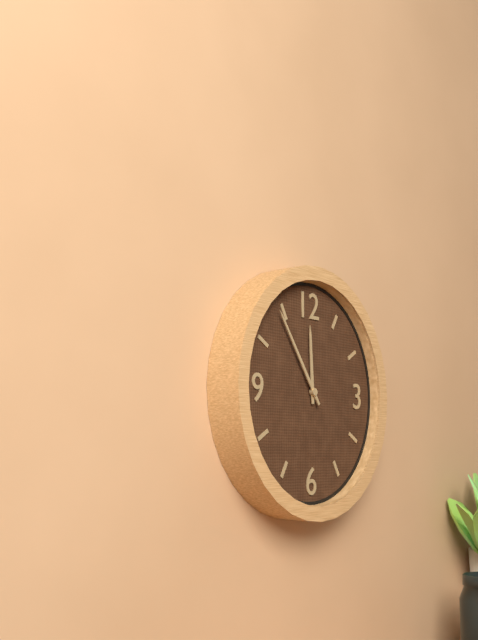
{"hour": 11, "minute": 54}
